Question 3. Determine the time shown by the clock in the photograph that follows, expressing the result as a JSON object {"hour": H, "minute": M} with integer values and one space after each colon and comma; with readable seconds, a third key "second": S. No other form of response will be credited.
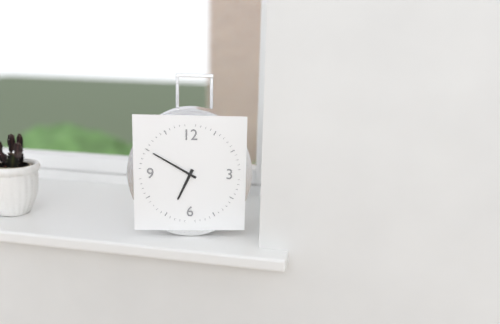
{"hour": 6, "minute": 50}
